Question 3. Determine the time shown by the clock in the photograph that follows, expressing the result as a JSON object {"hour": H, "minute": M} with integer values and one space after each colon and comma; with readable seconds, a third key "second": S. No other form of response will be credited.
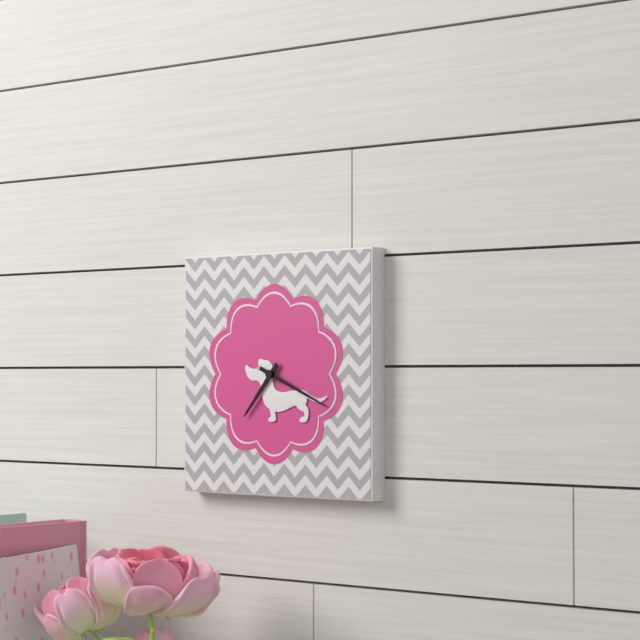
{"hour": 7, "minute": 19}
